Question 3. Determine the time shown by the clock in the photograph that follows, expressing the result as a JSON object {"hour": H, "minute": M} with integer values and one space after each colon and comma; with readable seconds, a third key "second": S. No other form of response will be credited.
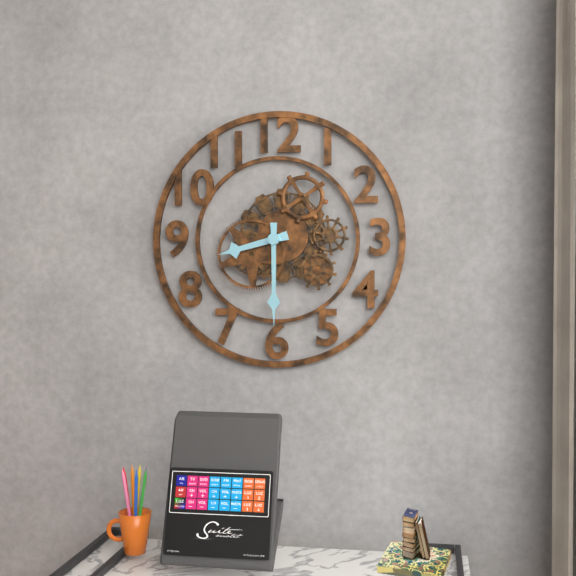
{"hour": 8, "minute": 30}
